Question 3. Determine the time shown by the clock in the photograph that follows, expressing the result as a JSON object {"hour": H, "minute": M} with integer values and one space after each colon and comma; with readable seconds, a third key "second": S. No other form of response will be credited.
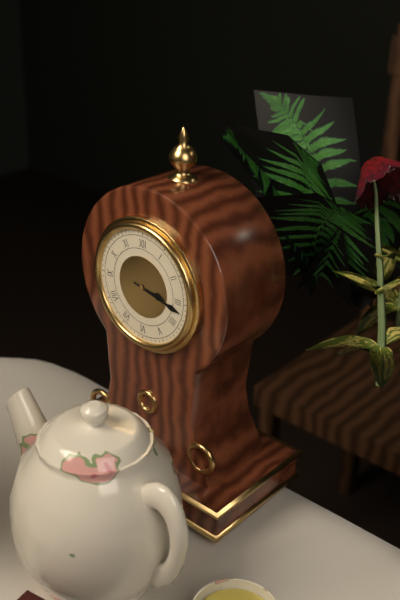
{"hour": 3, "minute": 17}
